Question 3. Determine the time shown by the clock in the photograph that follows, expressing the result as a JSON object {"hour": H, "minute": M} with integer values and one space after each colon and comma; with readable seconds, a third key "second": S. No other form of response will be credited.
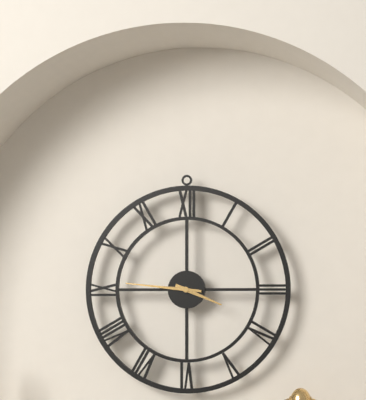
{"hour": 3, "minute": 46}
